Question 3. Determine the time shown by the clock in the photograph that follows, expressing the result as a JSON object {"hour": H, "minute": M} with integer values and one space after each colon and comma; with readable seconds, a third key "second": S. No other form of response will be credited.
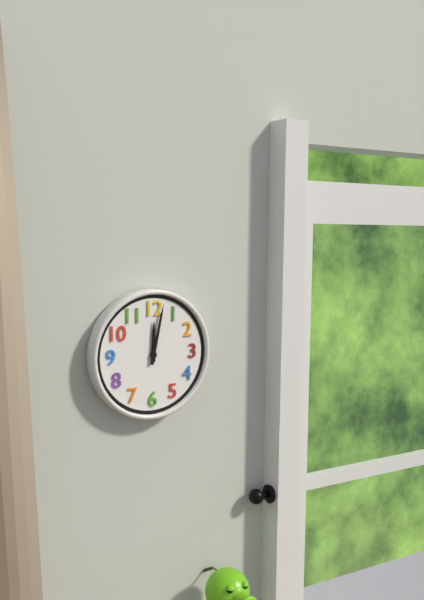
{"hour": 12, "minute": 2}
